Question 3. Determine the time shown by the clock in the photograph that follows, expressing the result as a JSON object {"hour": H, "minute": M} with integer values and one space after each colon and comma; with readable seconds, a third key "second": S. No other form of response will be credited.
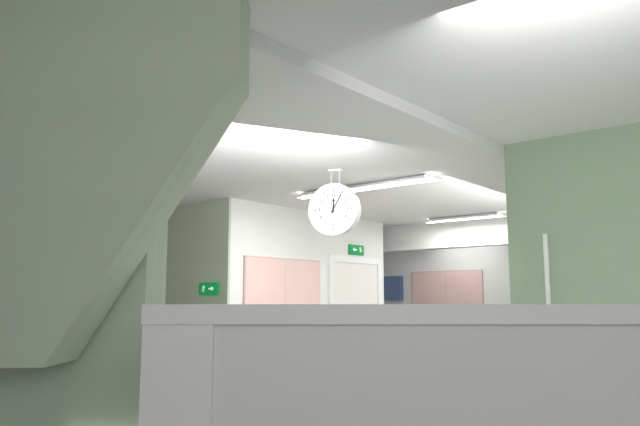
{"hour": 12, "minute": 5}
